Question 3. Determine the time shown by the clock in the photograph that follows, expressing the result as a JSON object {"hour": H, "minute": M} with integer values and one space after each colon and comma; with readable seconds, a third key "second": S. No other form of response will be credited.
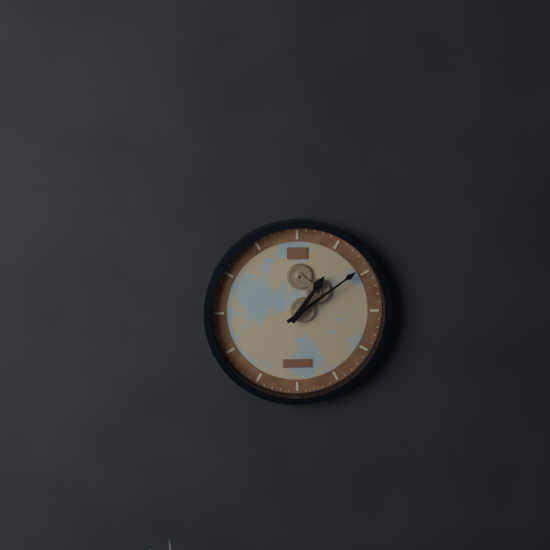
{"hour": 1, "minute": 9}
